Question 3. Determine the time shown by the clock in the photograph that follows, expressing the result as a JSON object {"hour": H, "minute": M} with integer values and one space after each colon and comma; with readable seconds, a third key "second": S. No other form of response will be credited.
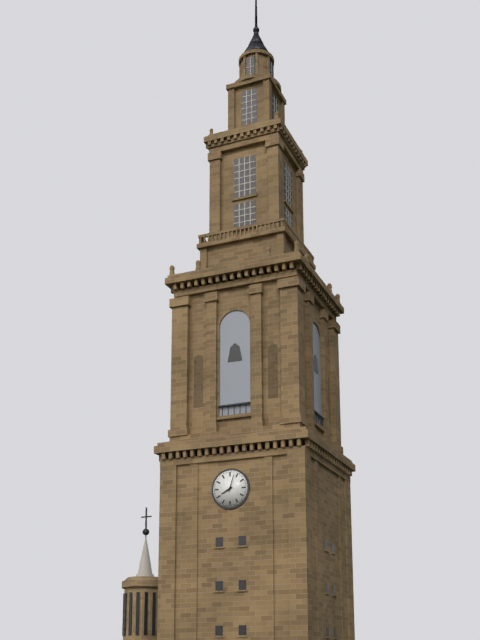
{"hour": 8, "minute": 3}
